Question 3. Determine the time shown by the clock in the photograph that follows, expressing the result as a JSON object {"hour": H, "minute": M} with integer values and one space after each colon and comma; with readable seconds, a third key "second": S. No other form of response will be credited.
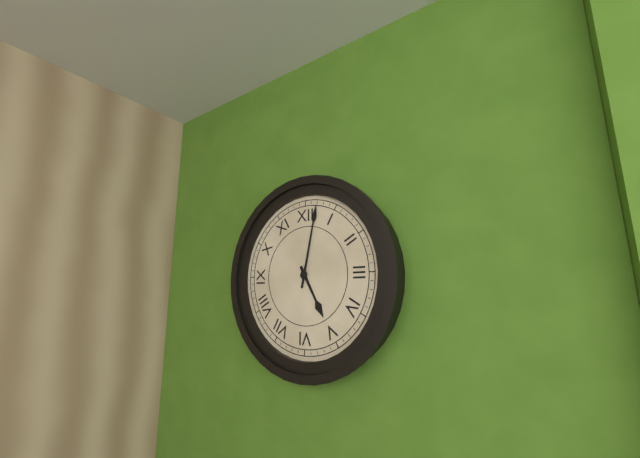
{"hour": 5, "minute": 2}
